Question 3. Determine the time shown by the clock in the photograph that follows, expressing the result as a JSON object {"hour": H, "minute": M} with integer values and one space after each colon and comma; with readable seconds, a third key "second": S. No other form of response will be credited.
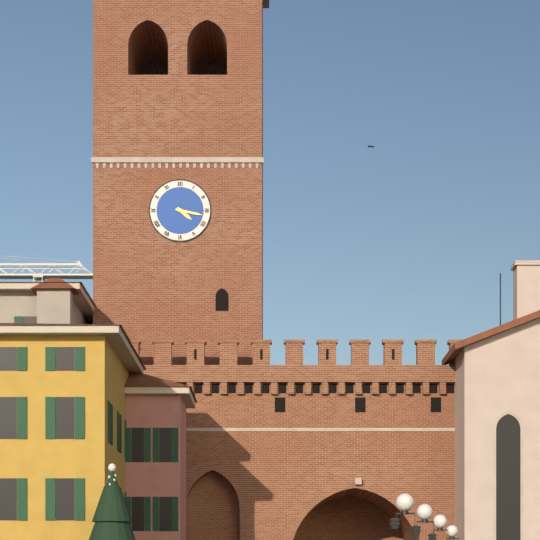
{"hour": 4, "minute": 17}
